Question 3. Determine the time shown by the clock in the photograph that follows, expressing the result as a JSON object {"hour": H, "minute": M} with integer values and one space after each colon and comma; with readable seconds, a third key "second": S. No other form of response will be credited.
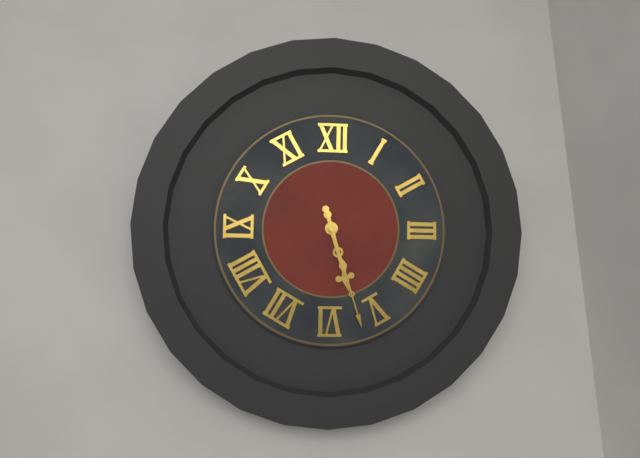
{"hour": 5, "minute": 27}
